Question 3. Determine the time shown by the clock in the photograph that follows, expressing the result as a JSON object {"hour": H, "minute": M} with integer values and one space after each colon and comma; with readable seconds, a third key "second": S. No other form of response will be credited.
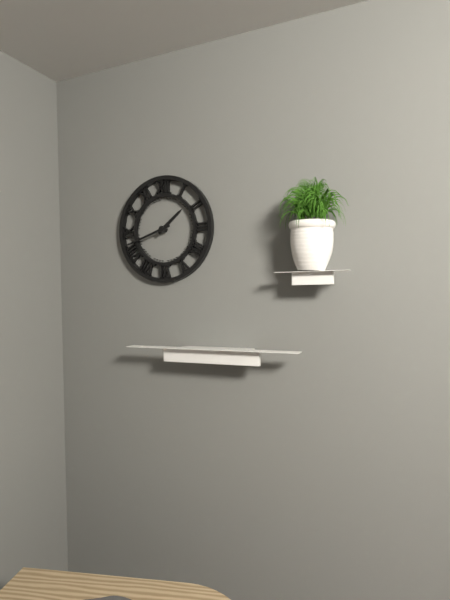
{"hour": 1, "minute": 42}
